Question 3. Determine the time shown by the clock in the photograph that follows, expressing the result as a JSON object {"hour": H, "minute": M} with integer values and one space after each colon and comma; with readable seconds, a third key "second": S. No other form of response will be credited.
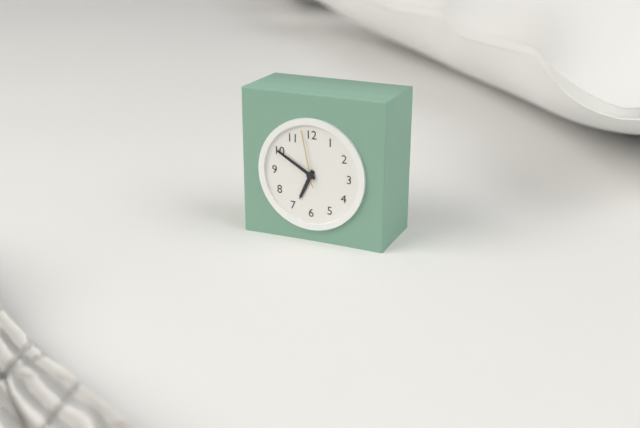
{"hour": 6, "minute": 50, "second": 58}
